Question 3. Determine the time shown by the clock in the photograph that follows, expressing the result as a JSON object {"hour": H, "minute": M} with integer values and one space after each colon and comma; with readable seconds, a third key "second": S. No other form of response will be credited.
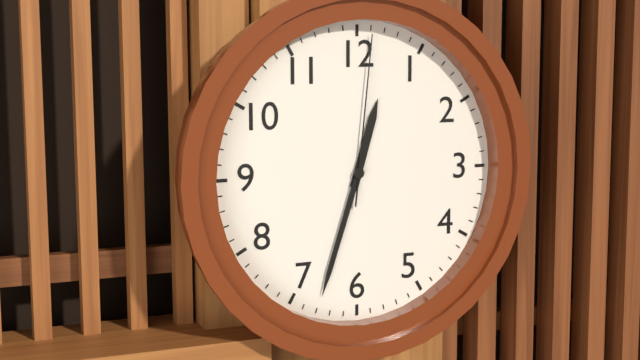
{"hour": 12, "minute": 33, "second": 1}
